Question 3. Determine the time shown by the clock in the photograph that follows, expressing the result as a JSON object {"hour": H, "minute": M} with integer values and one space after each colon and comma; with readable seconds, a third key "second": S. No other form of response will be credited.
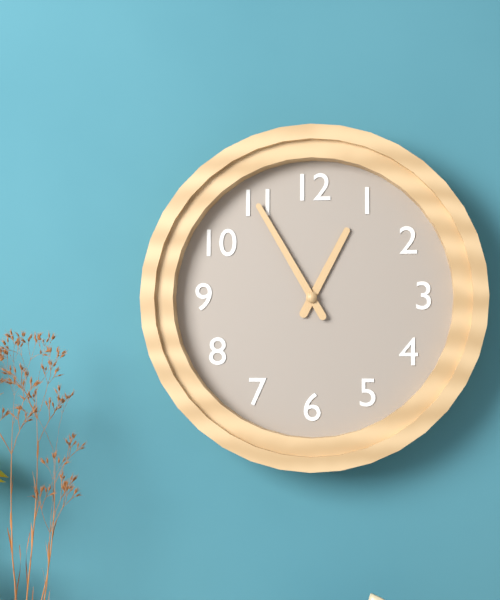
{"hour": 12, "minute": 55}
